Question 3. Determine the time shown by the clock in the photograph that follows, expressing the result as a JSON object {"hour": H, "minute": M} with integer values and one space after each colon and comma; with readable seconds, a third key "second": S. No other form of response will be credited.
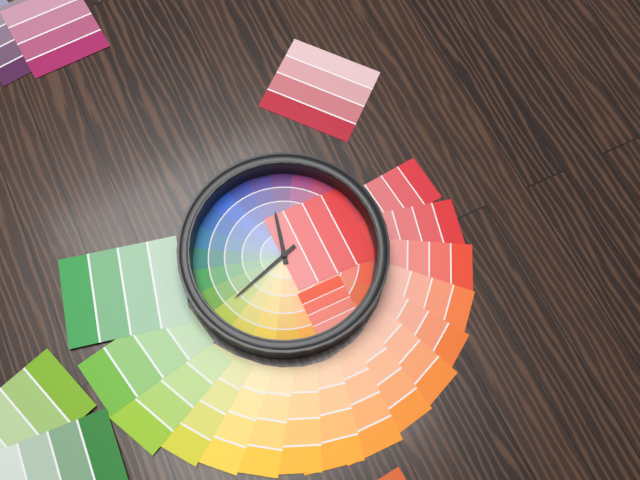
{"hour": 9, "minute": 27}
